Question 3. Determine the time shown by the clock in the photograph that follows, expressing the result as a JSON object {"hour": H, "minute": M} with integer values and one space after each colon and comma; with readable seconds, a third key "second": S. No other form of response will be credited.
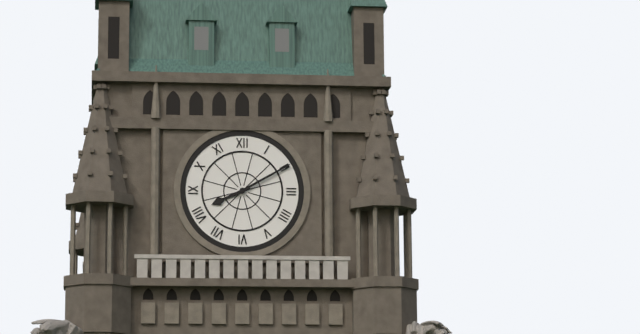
{"hour": 8, "minute": 10}
